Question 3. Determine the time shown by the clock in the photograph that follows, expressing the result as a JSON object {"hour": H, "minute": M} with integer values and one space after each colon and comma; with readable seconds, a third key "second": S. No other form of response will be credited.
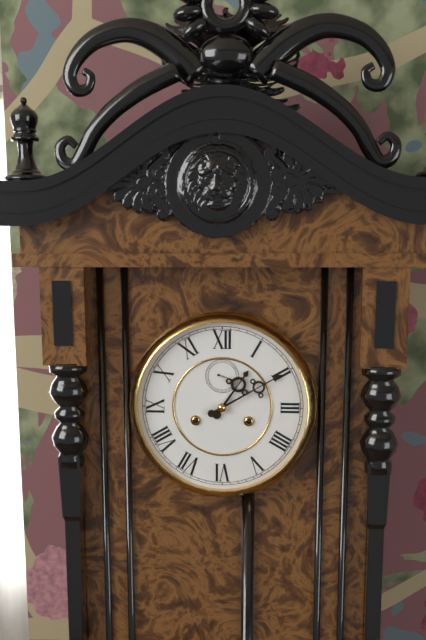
{"hour": 1, "minute": 10}
